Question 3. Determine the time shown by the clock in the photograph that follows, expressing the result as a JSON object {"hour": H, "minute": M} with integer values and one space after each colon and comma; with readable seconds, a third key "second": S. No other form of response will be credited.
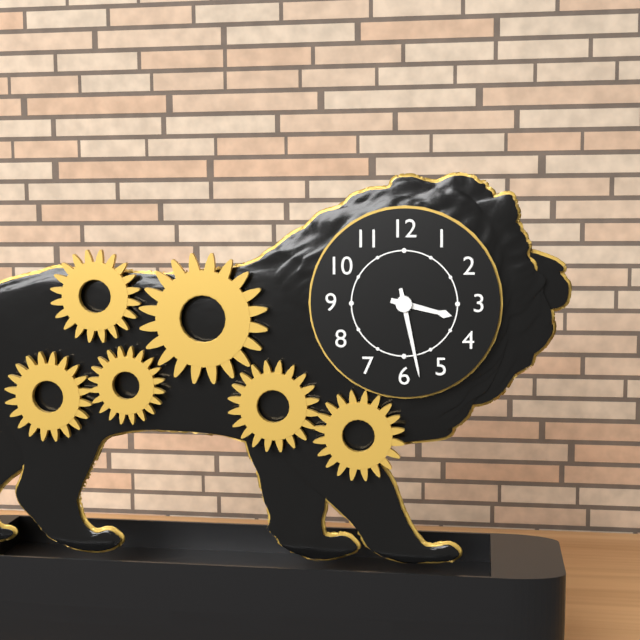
{"hour": 3, "minute": 28}
